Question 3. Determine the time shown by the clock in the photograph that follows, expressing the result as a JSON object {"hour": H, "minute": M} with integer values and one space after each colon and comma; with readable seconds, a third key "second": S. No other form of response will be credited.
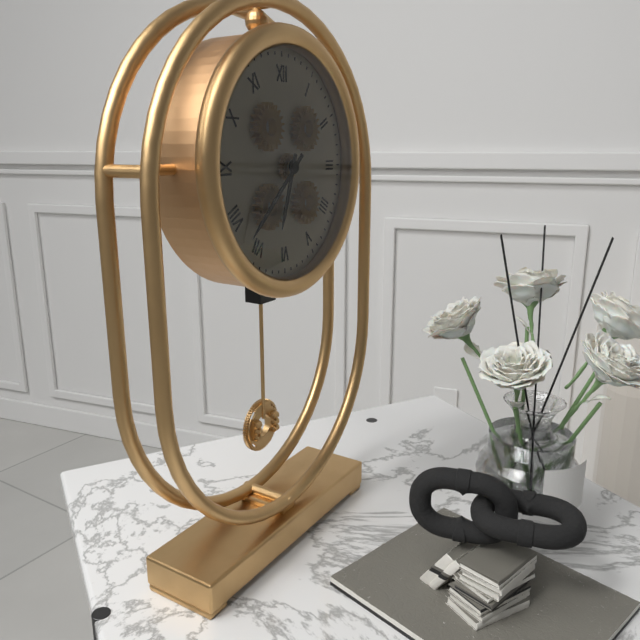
{"hour": 6, "minute": 38}
